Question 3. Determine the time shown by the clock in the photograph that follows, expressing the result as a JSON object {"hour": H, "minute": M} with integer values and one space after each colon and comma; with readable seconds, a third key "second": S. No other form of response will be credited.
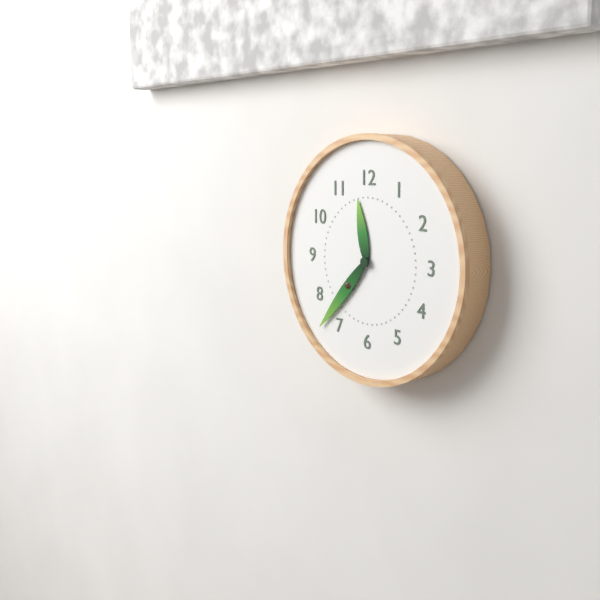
{"hour": 11, "minute": 37}
